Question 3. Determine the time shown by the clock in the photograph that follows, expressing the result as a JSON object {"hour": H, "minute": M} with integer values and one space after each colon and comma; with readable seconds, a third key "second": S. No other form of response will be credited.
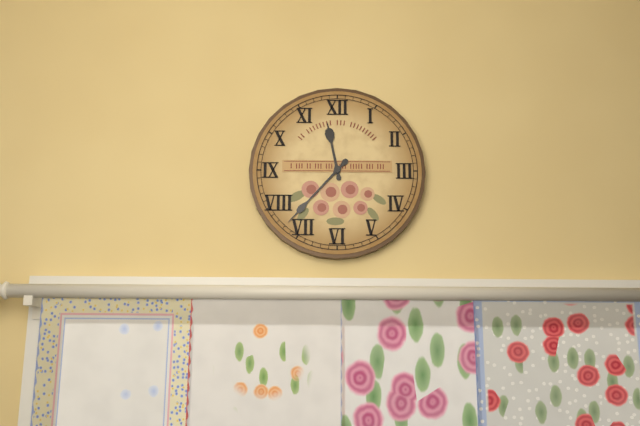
{"hour": 11, "minute": 37}
